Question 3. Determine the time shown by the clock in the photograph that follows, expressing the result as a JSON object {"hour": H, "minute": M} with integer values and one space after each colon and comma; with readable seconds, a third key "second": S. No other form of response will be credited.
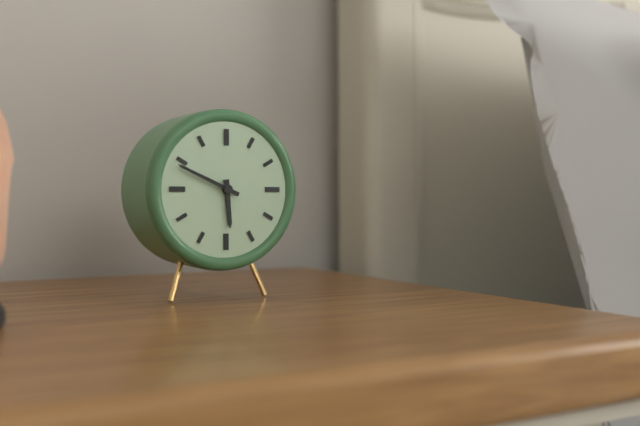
{"hour": 5, "minute": 49}
